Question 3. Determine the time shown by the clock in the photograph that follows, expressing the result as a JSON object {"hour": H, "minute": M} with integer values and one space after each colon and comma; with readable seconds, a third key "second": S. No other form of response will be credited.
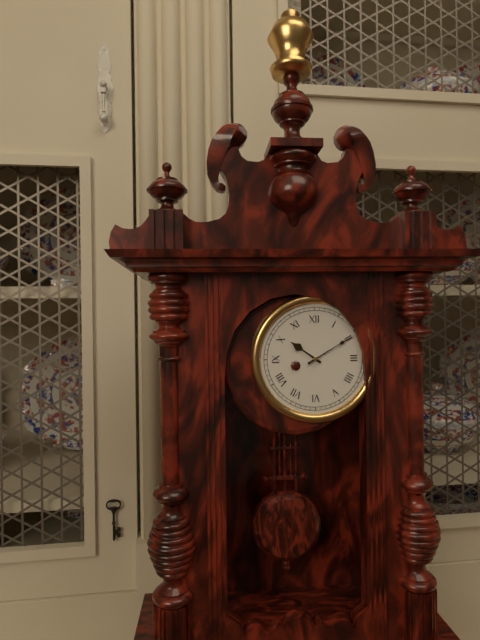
{"hour": 10, "minute": 10}
